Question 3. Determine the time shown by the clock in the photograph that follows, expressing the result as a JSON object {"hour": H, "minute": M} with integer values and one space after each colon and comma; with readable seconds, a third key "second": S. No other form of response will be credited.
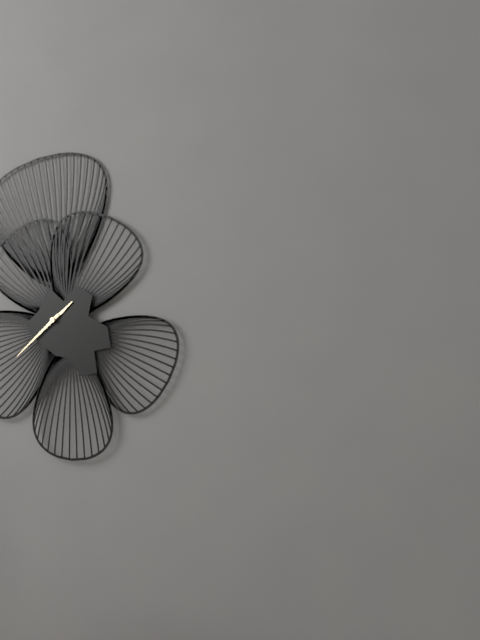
{"hour": 1, "minute": 38}
